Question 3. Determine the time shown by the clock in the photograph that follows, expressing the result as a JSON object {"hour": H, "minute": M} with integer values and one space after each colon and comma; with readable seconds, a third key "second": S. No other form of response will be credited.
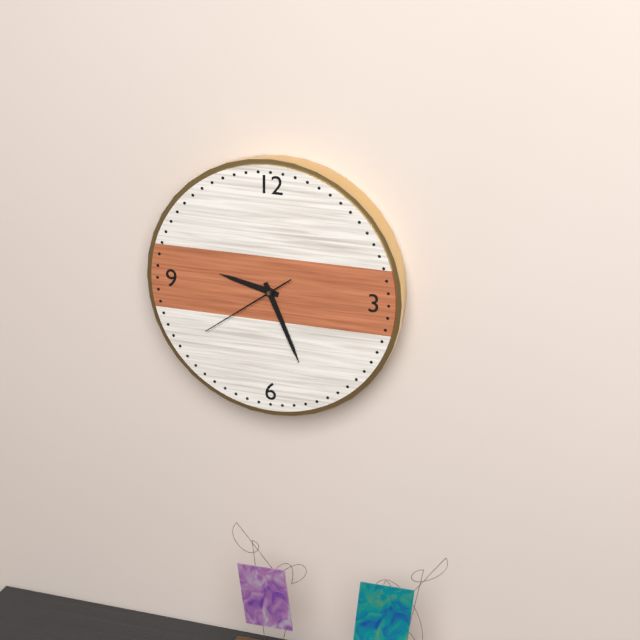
{"hour": 9, "minute": 26, "second": 39}
